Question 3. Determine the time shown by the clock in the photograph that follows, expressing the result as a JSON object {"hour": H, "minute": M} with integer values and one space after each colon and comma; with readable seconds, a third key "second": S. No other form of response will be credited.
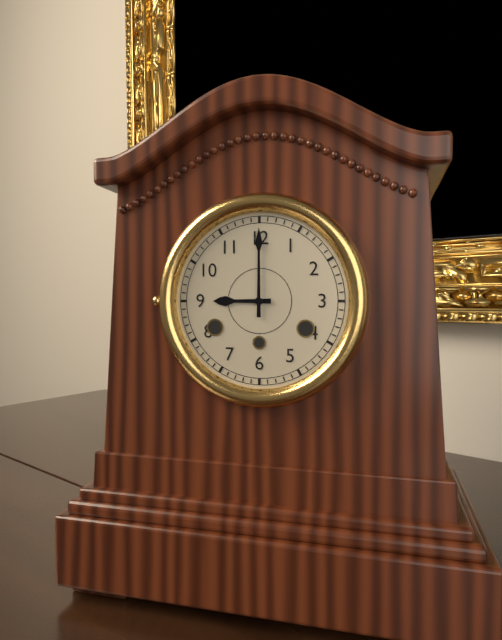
{"hour": 9, "minute": 0}
